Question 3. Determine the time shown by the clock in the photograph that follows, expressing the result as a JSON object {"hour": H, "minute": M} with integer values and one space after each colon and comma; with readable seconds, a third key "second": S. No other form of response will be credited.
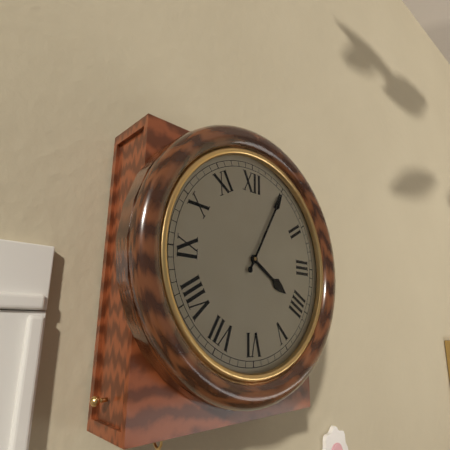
{"hour": 4, "minute": 5}
